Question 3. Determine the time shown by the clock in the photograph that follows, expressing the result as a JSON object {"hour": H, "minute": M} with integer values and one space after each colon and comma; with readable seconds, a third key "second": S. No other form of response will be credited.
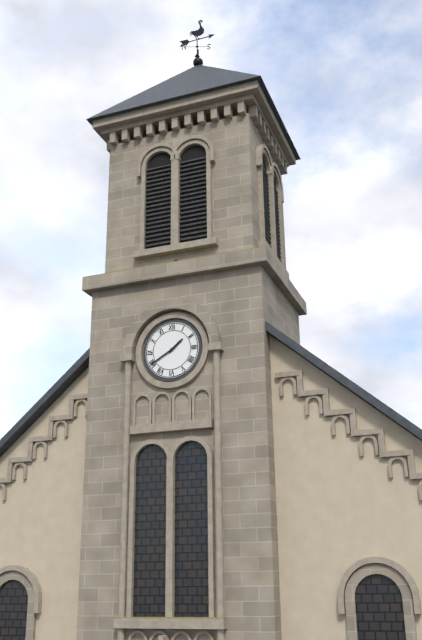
{"hour": 1, "minute": 40}
